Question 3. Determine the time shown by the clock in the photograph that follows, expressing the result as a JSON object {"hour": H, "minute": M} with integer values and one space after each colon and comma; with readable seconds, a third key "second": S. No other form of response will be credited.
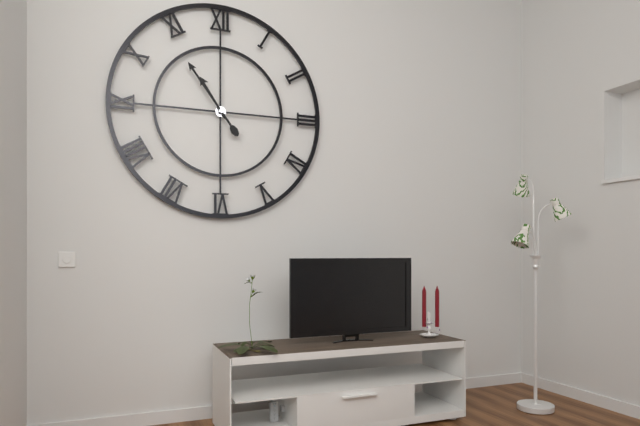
{"hour": 10, "minute": 54}
